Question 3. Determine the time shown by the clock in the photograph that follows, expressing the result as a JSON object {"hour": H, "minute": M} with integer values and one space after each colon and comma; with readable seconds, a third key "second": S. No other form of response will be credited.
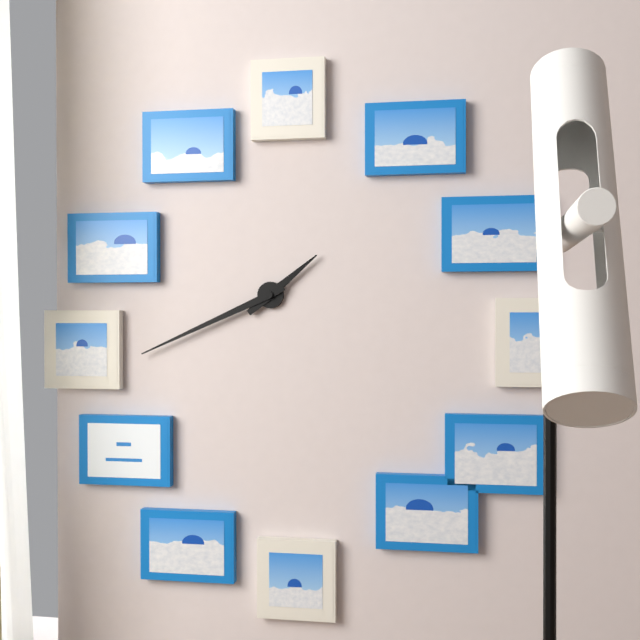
{"hour": 1, "minute": 41}
